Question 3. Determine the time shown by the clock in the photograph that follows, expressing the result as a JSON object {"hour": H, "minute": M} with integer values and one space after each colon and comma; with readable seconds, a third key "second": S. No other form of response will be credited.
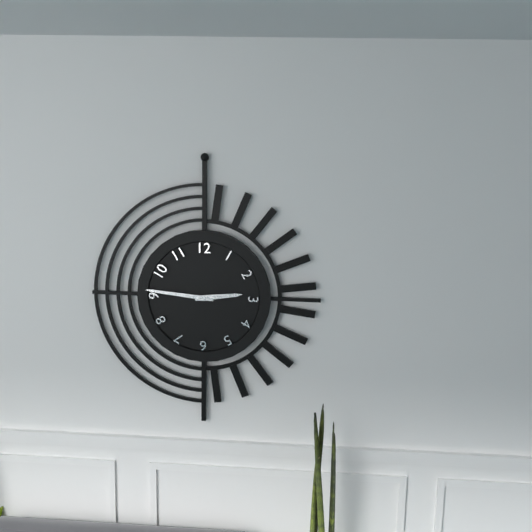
{"hour": 2, "minute": 46}
